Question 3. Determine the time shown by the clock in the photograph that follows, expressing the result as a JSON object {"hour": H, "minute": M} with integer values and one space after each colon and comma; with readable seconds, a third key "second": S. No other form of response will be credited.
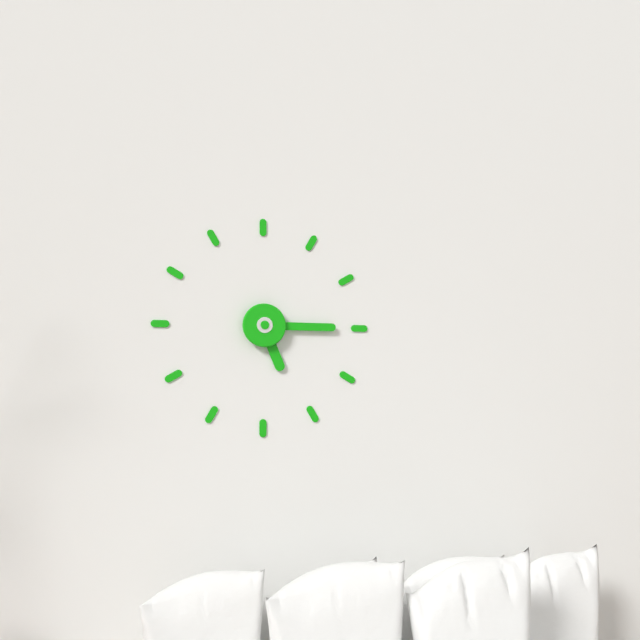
{"hour": 5, "minute": 15}
